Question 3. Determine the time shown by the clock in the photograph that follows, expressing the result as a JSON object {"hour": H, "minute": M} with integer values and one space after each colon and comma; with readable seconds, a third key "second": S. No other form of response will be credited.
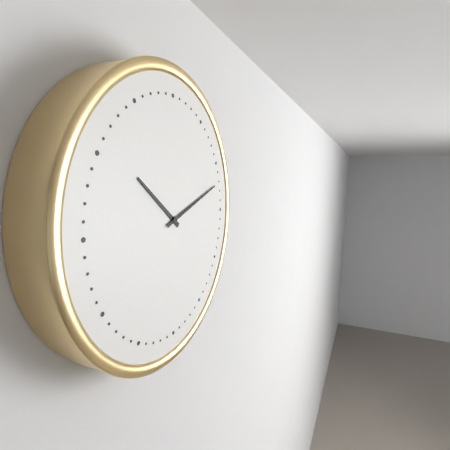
{"hour": 10, "minute": 12}
